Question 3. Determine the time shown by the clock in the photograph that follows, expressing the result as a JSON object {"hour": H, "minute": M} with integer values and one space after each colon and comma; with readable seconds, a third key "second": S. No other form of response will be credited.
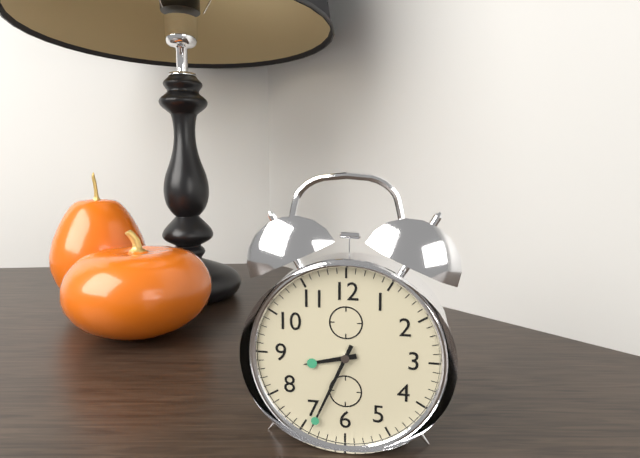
{"hour": 8, "minute": 34}
